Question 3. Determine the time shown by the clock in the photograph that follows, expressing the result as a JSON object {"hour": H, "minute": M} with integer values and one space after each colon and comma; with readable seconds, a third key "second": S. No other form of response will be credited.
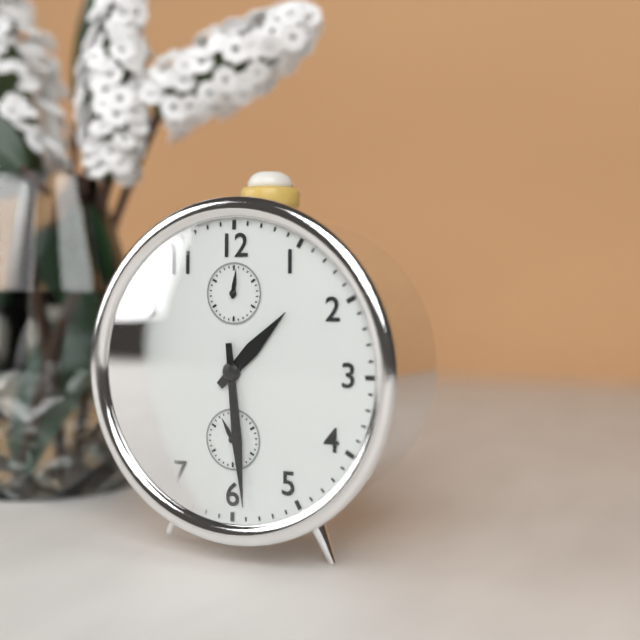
{"hour": 1, "minute": 29}
